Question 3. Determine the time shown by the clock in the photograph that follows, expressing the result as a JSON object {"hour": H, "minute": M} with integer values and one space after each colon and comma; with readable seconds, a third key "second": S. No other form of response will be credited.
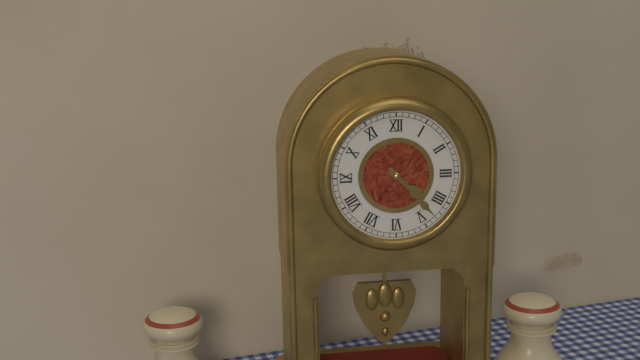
{"hour": 4, "minute": 23}
